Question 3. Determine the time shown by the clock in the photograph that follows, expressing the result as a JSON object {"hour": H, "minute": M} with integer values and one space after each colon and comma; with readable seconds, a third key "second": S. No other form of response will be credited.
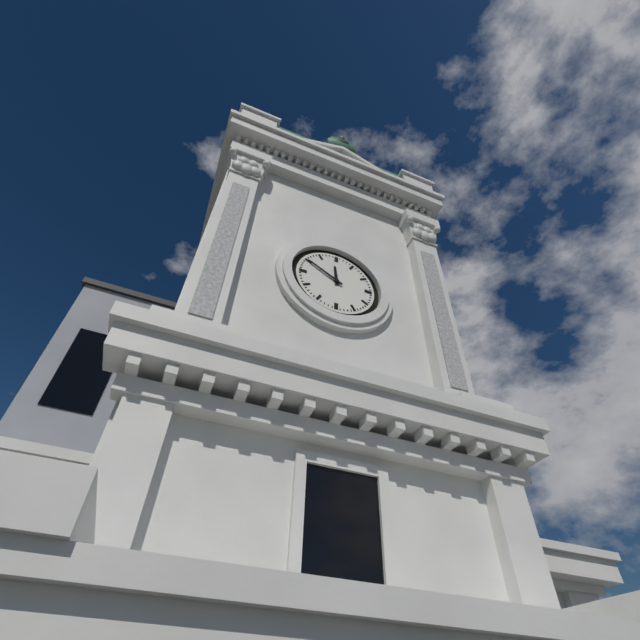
{"hour": 11, "minute": 50}
